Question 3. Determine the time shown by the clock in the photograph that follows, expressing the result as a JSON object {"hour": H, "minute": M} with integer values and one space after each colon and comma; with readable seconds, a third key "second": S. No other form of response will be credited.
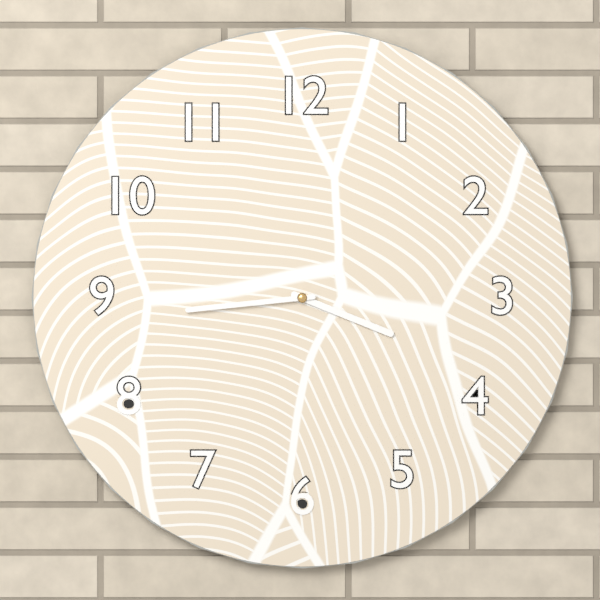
{"hour": 3, "minute": 44}
